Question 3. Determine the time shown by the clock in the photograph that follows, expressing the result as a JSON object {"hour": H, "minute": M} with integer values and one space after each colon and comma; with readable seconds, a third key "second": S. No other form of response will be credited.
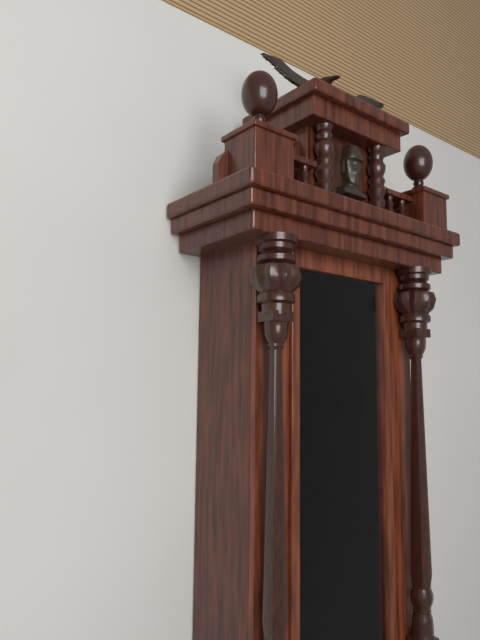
{"hour": 4, "minute": 50}
